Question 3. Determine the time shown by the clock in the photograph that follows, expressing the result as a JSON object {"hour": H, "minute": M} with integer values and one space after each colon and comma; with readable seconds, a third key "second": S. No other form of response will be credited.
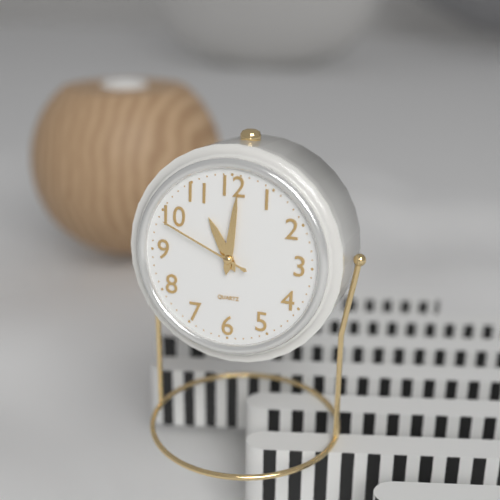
{"hour": 11, "minute": 1, "second": 49}
